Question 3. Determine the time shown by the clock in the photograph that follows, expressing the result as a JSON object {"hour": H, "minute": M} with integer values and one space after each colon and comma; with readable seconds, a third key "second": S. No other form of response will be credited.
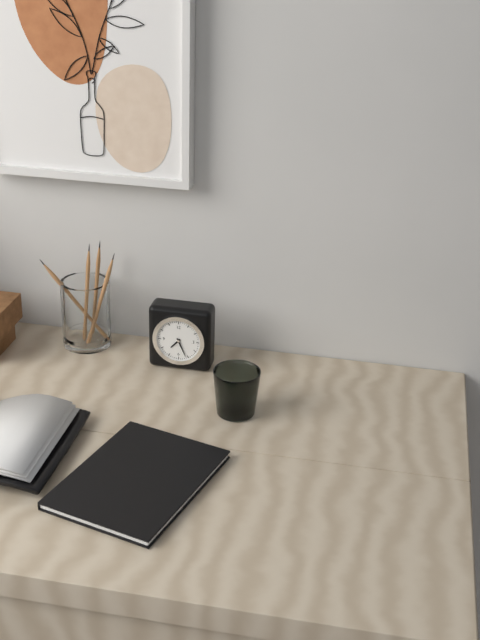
{"hour": 7, "minute": 26}
